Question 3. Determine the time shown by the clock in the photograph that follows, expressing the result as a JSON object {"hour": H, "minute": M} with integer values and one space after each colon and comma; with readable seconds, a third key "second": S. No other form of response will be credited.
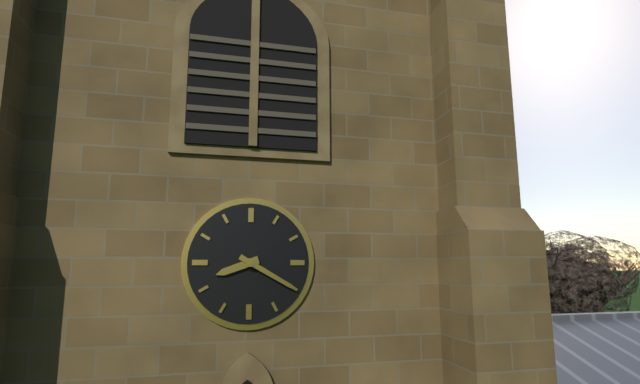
{"hour": 8, "minute": 20}
